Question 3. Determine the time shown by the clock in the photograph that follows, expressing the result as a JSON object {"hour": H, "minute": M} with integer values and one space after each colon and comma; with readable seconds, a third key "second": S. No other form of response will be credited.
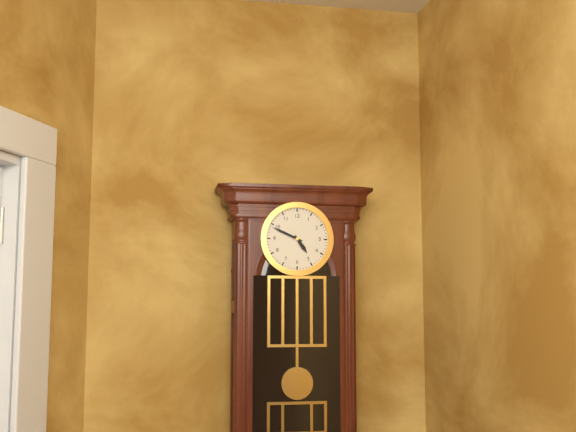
{"hour": 4, "minute": 49}
